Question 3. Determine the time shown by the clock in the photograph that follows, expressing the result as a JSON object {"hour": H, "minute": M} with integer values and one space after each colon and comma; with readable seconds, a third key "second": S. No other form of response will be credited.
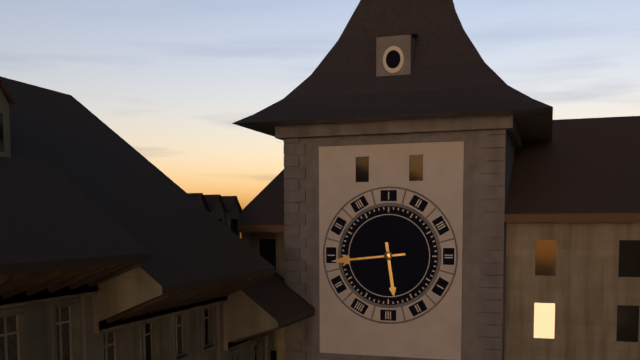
{"hour": 5, "minute": 44}
